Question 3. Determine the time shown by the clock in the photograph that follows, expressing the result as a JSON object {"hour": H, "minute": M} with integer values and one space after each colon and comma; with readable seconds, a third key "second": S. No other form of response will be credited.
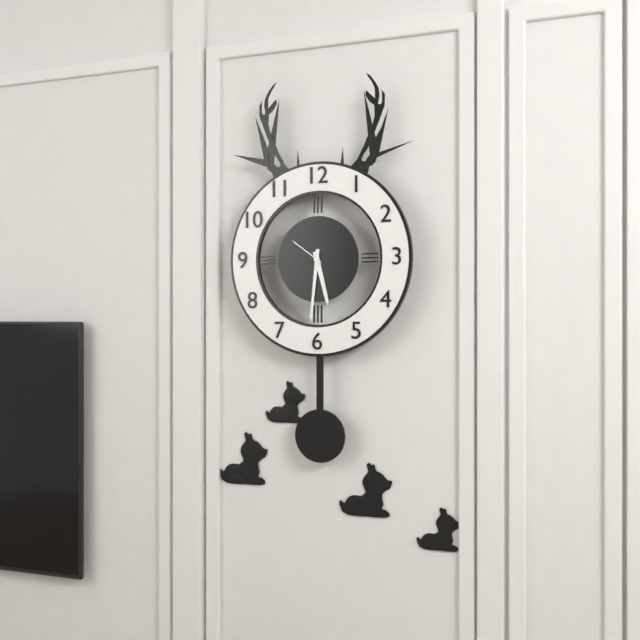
{"hour": 5, "minute": 31}
